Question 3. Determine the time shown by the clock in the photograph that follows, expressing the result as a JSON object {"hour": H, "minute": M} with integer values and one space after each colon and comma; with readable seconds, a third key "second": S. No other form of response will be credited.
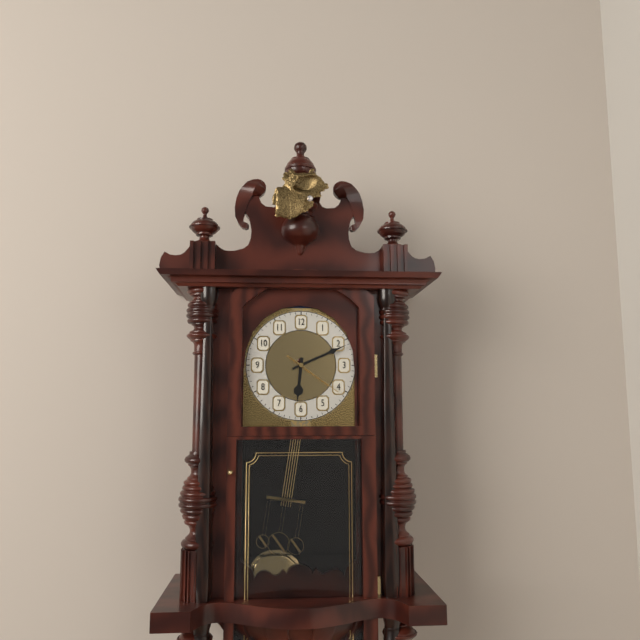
{"hour": 6, "minute": 11, "second": 21}
